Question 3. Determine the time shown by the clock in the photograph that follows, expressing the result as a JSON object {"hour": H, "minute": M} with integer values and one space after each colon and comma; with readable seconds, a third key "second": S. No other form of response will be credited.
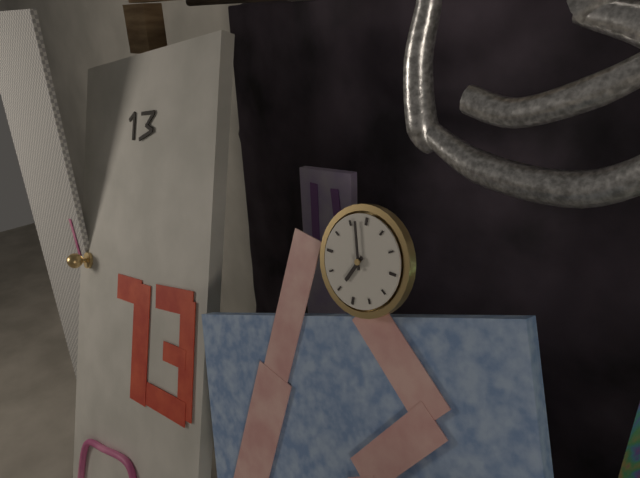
{"hour": 6, "minute": 57}
